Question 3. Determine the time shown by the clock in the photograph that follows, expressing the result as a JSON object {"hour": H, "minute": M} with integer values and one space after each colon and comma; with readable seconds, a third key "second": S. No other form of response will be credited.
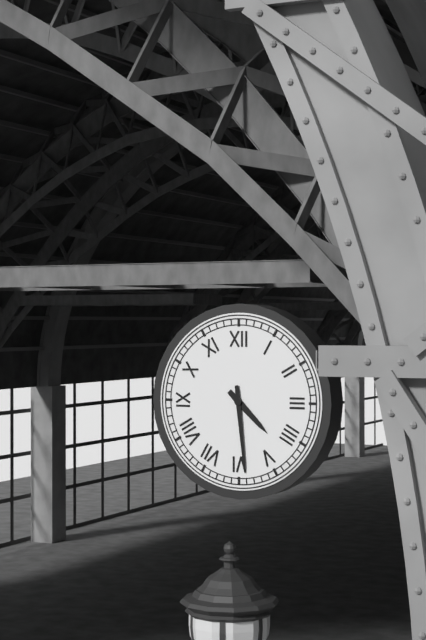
{"hour": 4, "minute": 29}
